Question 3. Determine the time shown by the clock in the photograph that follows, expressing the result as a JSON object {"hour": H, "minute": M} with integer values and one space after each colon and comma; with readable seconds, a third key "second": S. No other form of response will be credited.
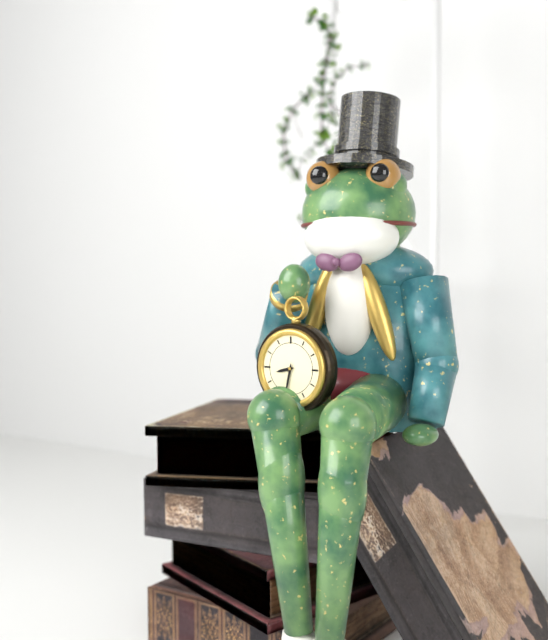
{"hour": 8, "minute": 32}
